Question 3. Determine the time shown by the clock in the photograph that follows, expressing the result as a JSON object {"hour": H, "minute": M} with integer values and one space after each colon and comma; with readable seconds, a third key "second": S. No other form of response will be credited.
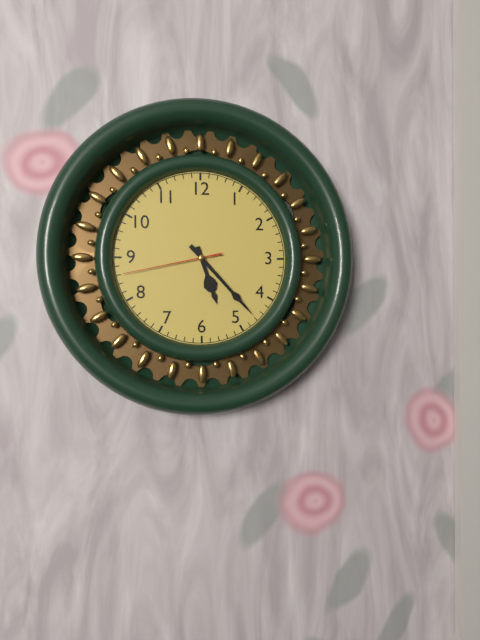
{"hour": 5, "minute": 23, "second": 43}
